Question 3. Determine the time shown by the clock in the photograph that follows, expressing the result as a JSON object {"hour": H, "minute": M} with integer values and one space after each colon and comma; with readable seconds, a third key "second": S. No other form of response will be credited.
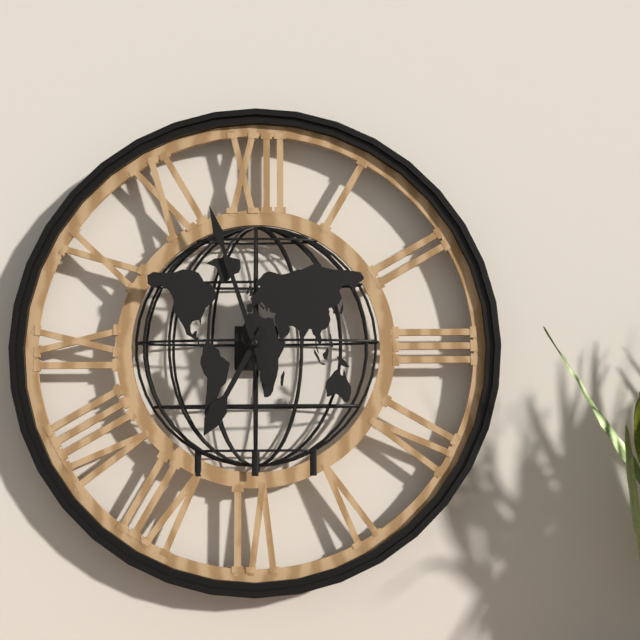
{"hour": 6, "minute": 57}
